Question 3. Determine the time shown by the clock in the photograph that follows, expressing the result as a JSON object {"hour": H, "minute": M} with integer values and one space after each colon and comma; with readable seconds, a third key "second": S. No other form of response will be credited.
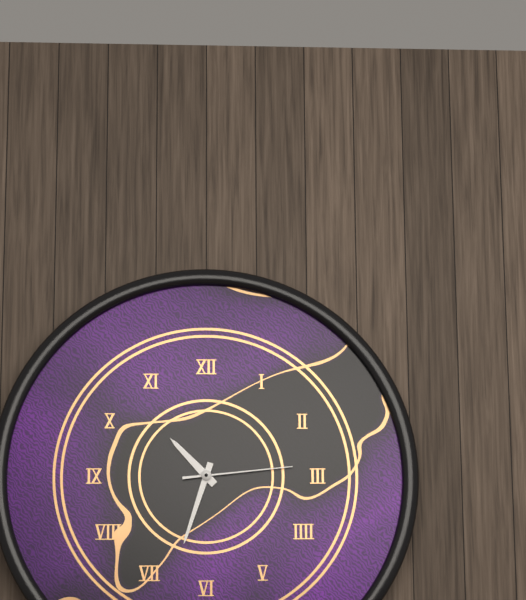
{"hour": 10, "minute": 33, "second": 14}
